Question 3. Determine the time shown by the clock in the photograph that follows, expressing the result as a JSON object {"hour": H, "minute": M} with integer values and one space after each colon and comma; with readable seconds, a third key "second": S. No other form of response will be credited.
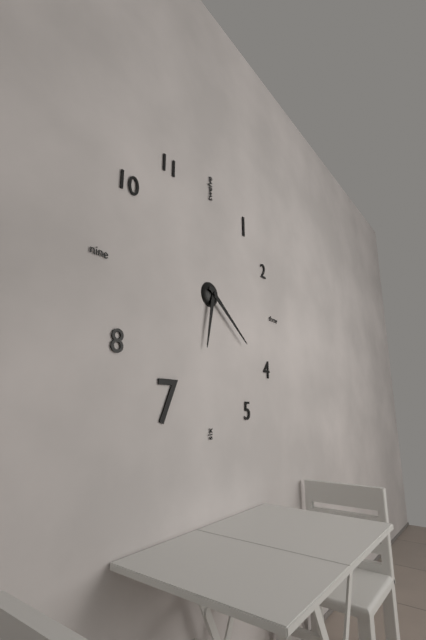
{"hour": 6, "minute": 21}
